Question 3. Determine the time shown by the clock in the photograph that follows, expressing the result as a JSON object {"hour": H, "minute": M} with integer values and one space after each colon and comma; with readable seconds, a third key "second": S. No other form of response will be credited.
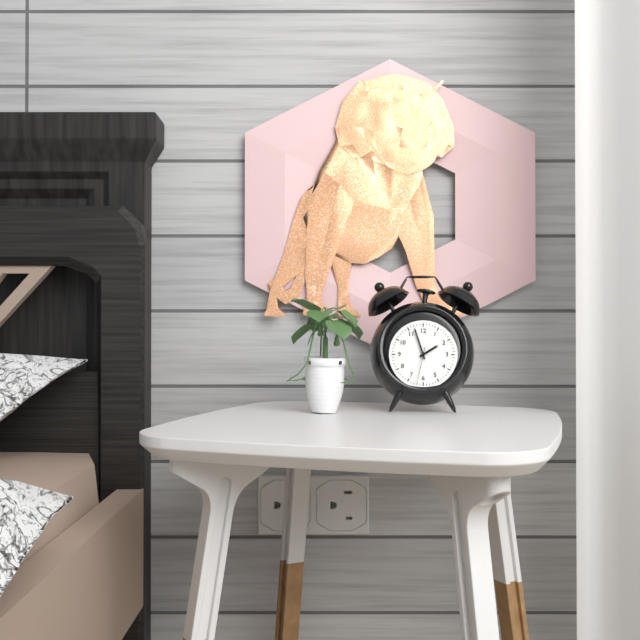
{"hour": 1, "minute": 57}
